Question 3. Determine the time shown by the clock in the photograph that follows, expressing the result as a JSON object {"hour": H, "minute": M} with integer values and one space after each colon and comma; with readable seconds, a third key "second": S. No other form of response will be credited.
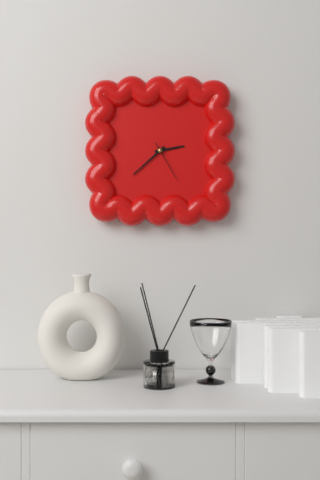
{"hour": 2, "minute": 38}
